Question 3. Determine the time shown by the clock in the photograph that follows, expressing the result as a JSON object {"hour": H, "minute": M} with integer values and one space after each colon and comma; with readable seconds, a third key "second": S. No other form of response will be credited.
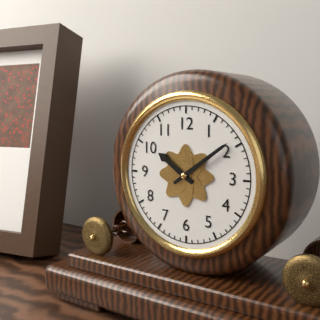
{"hour": 10, "minute": 9}
